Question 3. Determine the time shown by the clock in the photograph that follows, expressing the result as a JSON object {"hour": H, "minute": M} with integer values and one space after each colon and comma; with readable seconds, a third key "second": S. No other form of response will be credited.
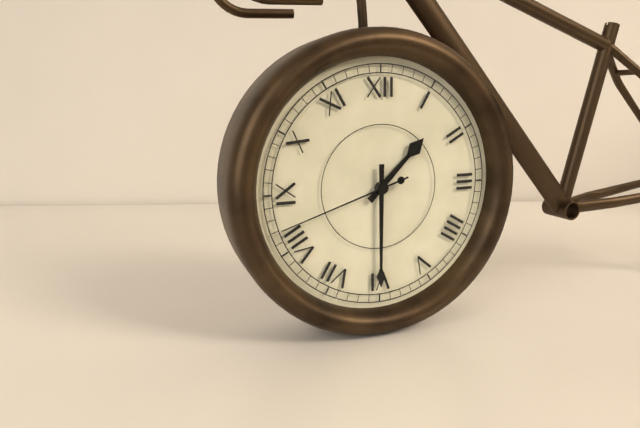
{"hour": 1, "minute": 30, "second": 42}
